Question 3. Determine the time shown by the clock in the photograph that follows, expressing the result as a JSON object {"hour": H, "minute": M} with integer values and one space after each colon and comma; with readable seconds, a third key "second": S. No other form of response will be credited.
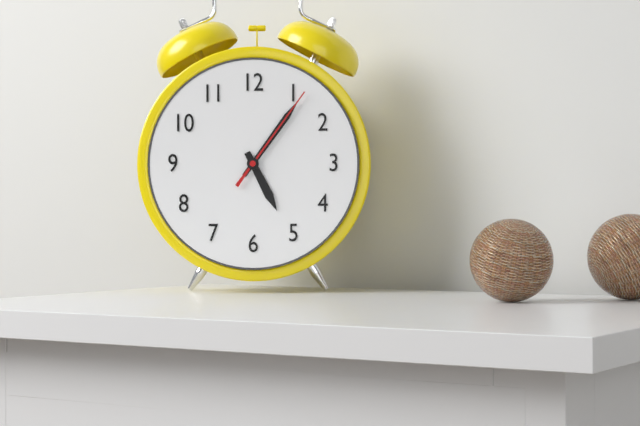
{"hour": 5, "minute": 6, "second": 6}
